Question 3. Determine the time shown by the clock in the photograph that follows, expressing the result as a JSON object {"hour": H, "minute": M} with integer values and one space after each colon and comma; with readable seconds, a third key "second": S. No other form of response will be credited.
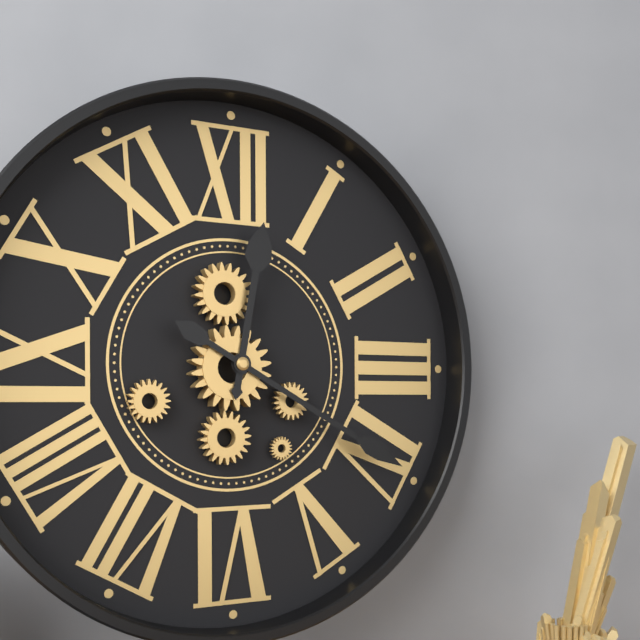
{"hour": 12, "minute": 20}
